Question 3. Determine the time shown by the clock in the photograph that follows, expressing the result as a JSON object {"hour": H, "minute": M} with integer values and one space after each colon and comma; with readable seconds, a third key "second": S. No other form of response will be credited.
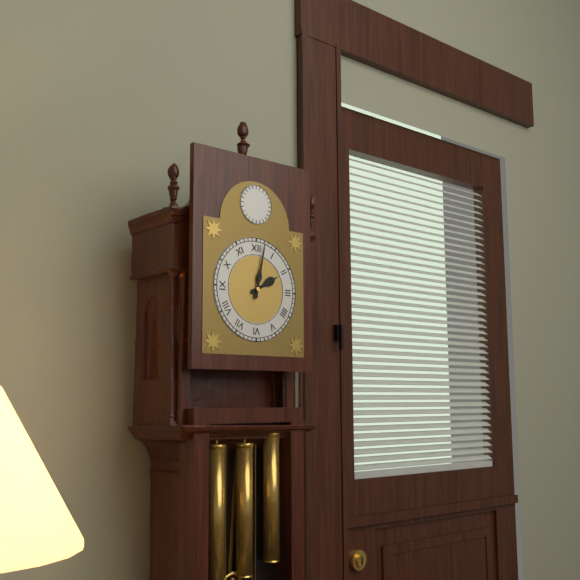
{"hour": 2, "minute": 2}
